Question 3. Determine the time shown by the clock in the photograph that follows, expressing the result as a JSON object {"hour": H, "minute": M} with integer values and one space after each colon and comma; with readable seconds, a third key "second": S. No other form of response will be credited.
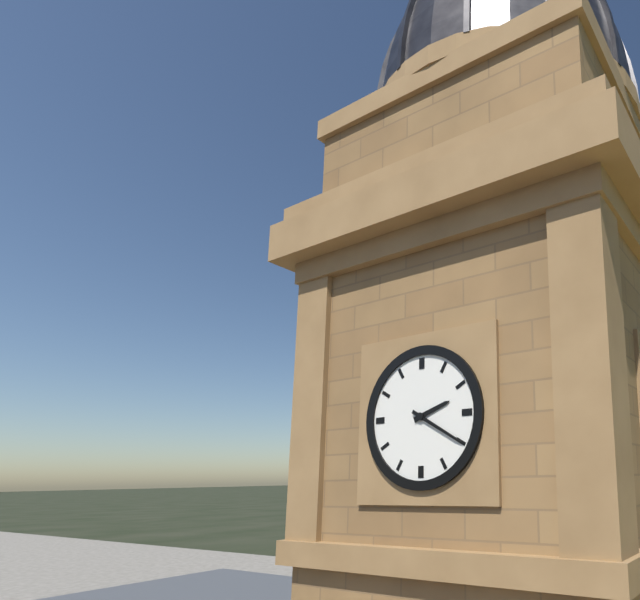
{"hour": 2, "minute": 20}
